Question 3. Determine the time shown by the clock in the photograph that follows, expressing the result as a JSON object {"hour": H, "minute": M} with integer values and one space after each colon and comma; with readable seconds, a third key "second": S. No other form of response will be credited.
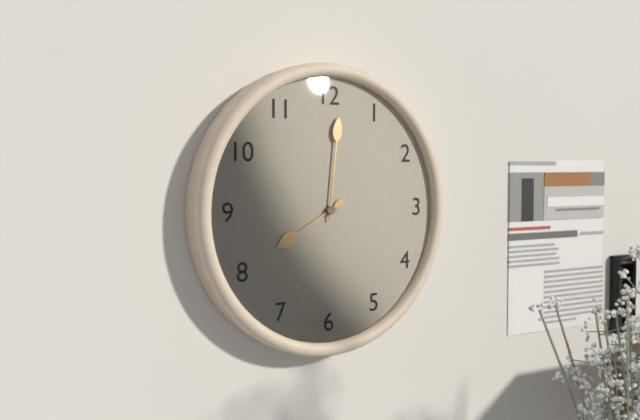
{"hour": 8, "minute": 1}
